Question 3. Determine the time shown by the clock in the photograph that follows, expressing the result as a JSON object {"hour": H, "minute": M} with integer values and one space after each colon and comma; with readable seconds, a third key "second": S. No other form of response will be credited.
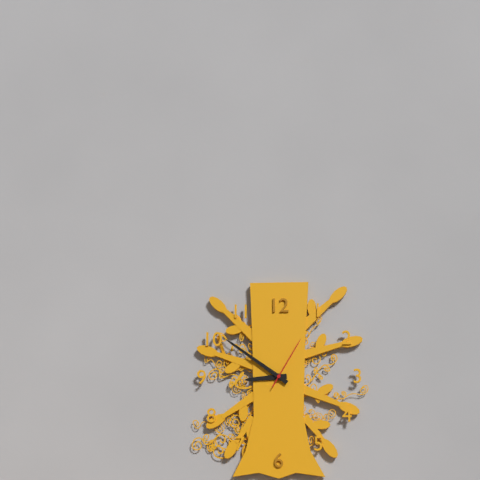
{"hour": 8, "minute": 51, "second": 5}
